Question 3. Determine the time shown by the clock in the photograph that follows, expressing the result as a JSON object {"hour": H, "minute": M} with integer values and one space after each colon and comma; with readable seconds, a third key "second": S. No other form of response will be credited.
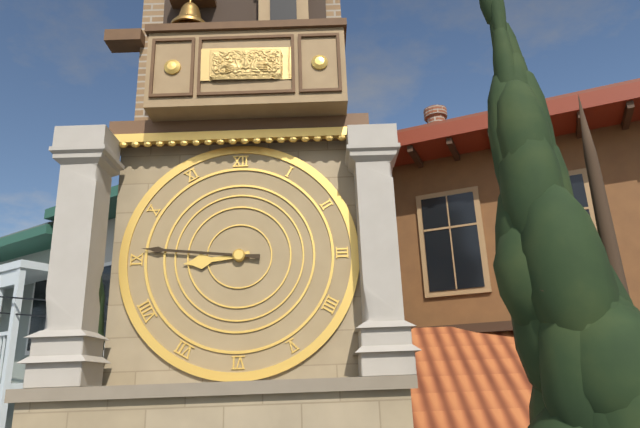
{"hour": 8, "minute": 46}
